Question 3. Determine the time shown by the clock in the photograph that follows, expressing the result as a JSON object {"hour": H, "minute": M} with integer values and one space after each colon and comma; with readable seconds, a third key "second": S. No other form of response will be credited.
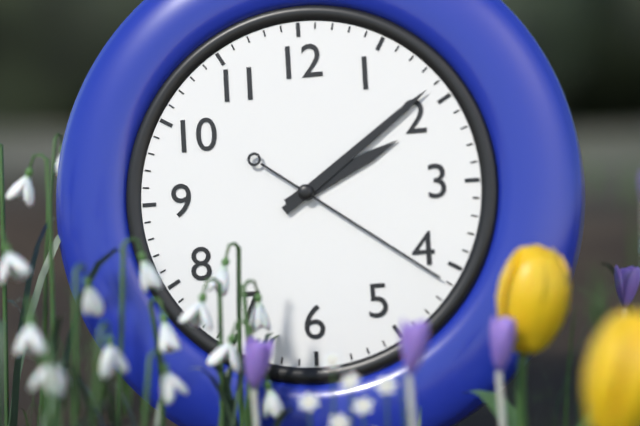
{"hour": 2, "minute": 9, "second": 21}
